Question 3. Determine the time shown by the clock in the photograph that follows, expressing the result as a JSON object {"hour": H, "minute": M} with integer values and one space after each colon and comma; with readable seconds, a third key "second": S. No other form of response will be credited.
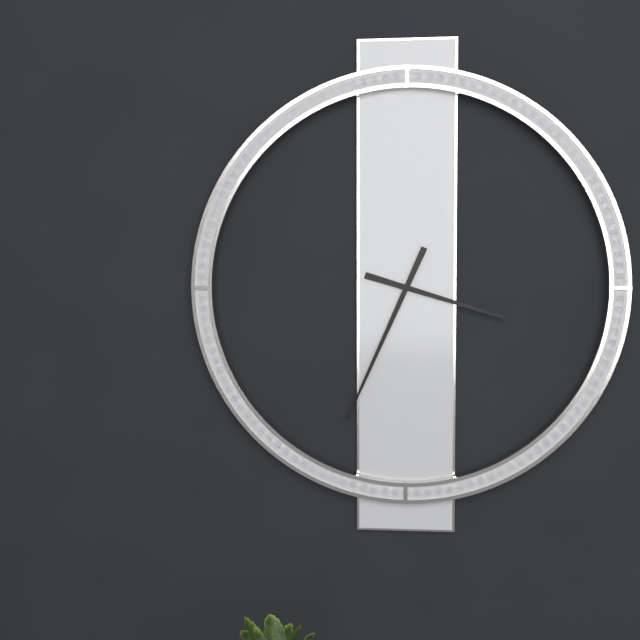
{"hour": 3, "minute": 34}
